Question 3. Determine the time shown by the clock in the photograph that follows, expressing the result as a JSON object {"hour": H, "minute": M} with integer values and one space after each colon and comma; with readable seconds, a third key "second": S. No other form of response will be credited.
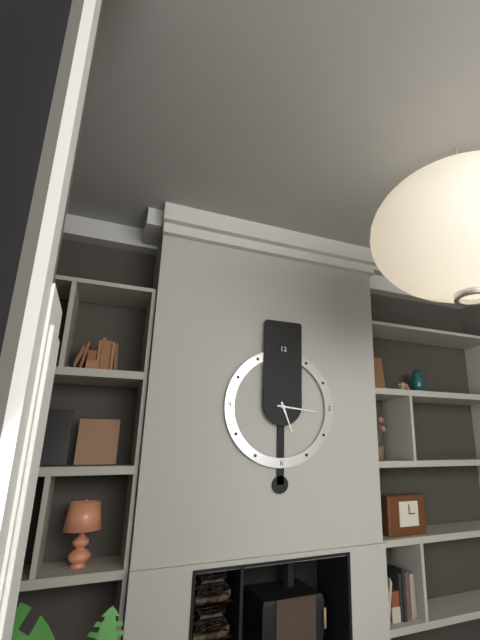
{"hour": 5, "minute": 16}
